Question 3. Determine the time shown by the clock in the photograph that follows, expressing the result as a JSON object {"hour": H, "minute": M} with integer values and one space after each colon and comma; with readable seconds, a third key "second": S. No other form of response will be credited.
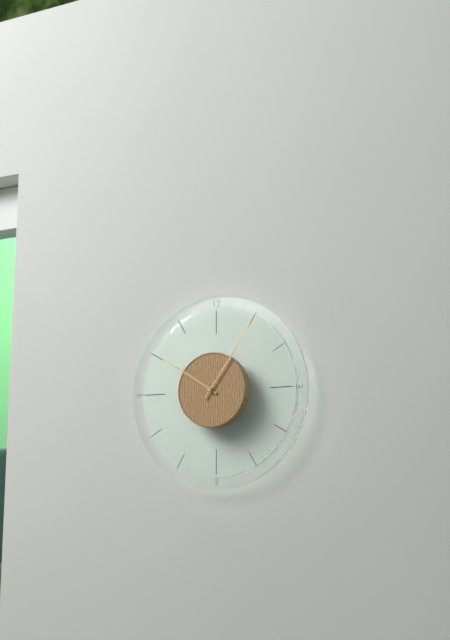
{"hour": 10, "minute": 6}
